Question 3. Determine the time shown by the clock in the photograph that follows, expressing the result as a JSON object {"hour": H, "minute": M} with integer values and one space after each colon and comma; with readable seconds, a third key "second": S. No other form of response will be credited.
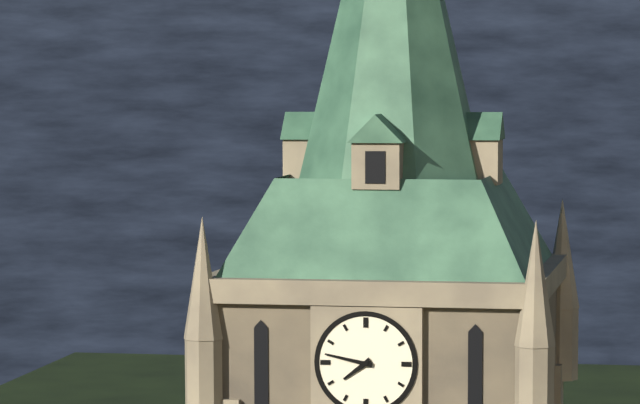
{"hour": 7, "minute": 47}
